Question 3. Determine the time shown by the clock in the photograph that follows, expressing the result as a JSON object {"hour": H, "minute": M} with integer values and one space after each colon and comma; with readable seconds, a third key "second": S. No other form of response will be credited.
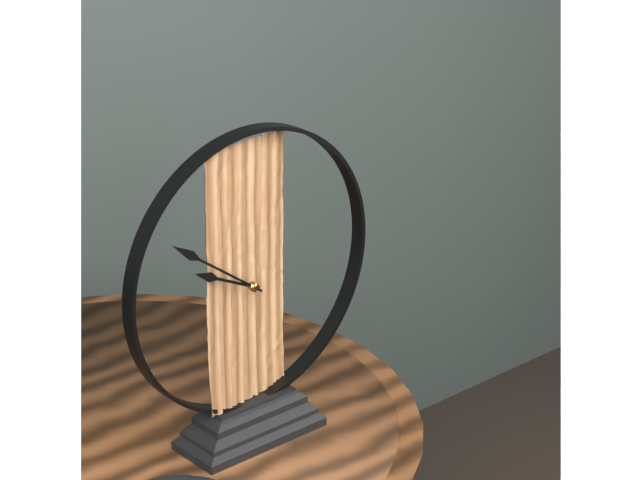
{"hour": 9, "minute": 51}
